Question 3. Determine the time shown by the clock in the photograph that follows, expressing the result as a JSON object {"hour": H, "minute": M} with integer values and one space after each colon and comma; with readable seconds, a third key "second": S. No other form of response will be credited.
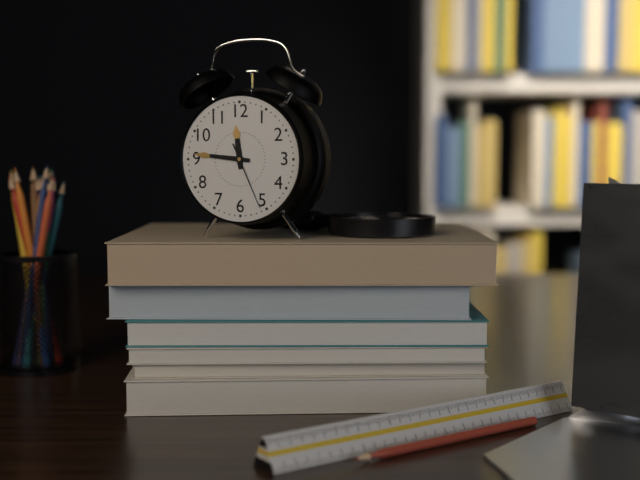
{"hour": 11, "minute": 46, "second": 26}
